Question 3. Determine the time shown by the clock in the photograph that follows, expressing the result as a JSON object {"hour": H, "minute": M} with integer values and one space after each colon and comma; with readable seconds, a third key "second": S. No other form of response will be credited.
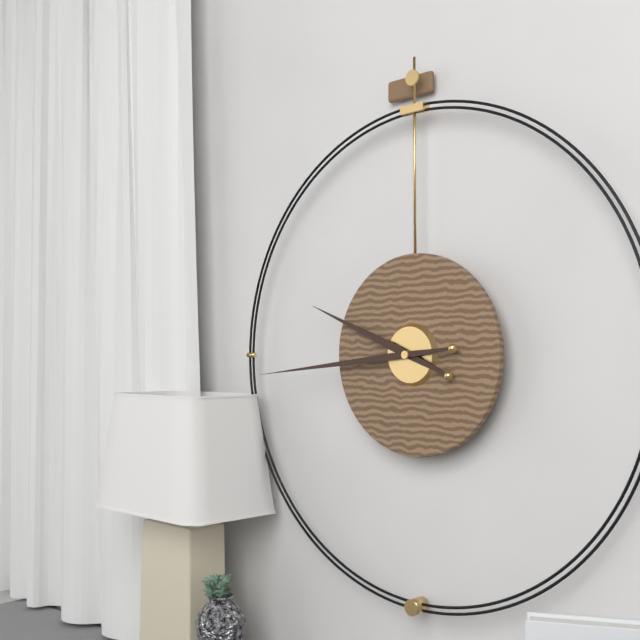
{"hour": 9, "minute": 44}
